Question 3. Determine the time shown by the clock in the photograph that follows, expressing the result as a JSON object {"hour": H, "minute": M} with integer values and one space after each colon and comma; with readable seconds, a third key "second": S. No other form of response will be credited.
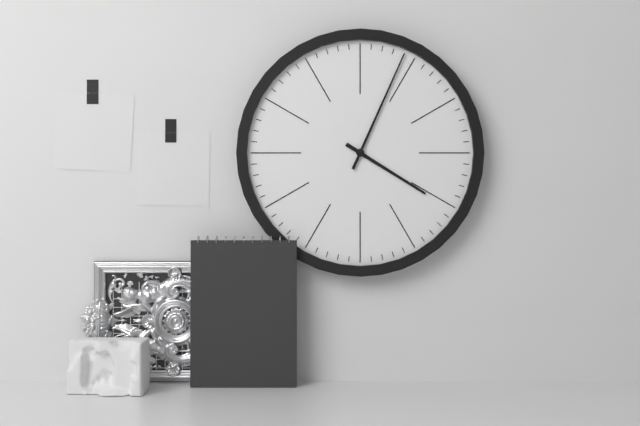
{"hour": 4, "minute": 4}
